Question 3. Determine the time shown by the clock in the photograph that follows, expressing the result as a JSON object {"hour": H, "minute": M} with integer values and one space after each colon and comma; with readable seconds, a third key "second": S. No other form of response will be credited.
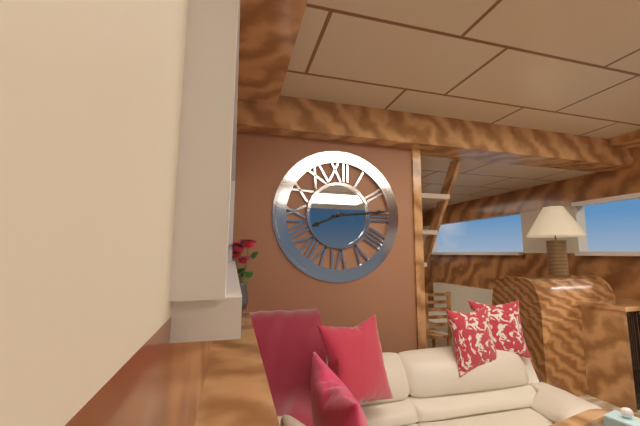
{"hour": 8, "minute": 14}
